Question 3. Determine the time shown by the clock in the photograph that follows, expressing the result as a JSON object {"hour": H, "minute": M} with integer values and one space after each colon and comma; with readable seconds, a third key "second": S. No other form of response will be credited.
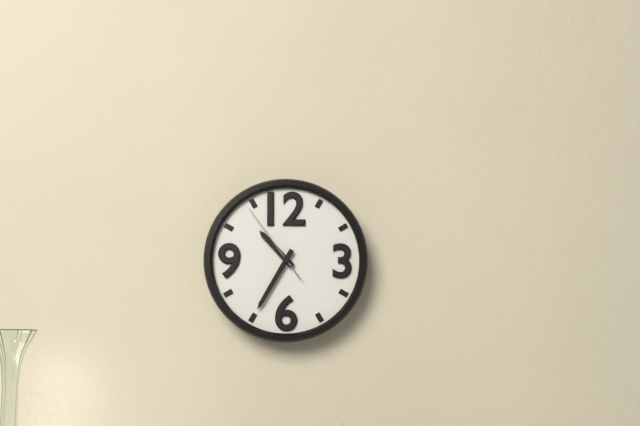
{"hour": 10, "minute": 35, "second": 54}
